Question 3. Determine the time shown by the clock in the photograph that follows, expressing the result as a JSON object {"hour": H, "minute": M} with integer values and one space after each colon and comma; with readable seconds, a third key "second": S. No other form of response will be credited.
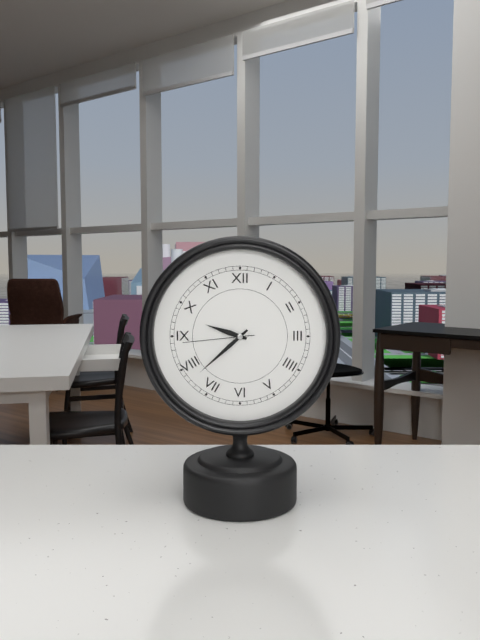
{"hour": 9, "minute": 38, "second": 44}
